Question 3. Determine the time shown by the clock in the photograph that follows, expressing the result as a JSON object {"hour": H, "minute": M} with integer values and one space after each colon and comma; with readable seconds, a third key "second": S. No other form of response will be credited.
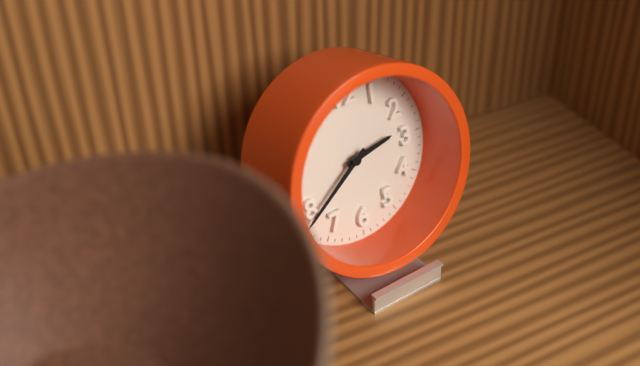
{"hour": 2, "minute": 39}
